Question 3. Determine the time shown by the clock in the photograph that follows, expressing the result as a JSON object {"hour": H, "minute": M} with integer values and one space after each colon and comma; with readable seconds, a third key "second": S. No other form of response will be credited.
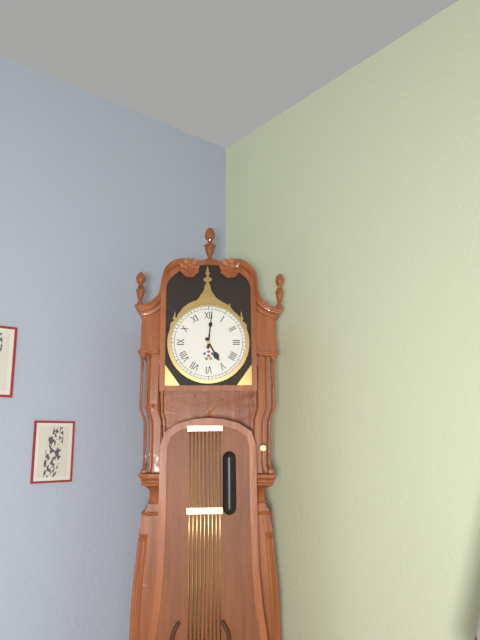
{"hour": 5, "minute": 1}
